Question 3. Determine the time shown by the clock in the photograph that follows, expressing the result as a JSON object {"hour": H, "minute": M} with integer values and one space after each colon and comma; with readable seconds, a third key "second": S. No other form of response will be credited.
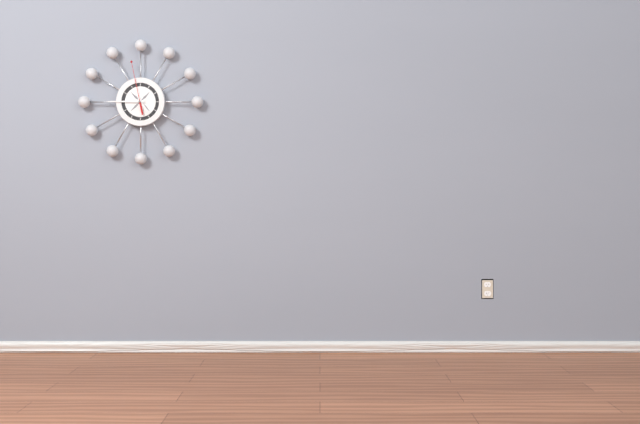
{"hour": 4, "minute": 45, "second": 58}
